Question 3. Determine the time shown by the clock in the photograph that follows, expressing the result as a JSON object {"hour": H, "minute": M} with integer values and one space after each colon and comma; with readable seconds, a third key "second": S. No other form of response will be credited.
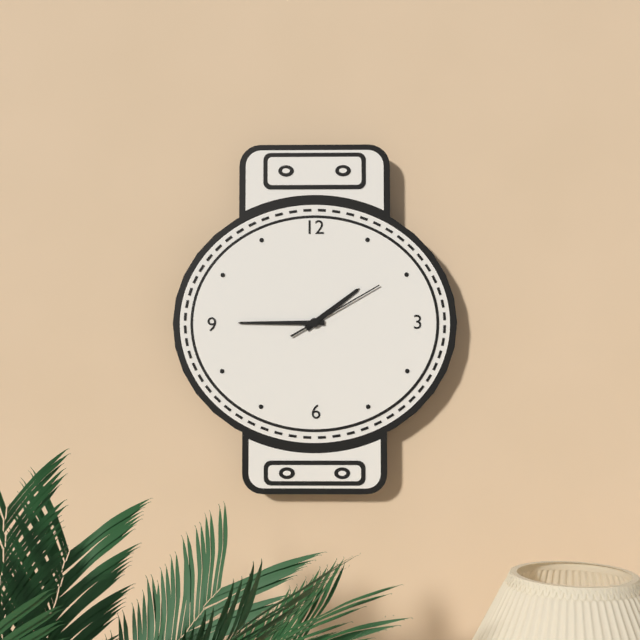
{"hour": 1, "minute": 45, "second": 10}
